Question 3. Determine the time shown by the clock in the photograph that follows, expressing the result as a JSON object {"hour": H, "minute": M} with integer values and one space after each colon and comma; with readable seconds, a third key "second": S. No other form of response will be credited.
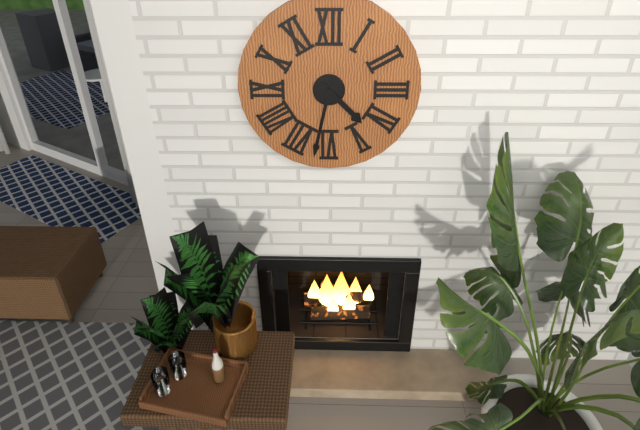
{"hour": 4, "minute": 32}
